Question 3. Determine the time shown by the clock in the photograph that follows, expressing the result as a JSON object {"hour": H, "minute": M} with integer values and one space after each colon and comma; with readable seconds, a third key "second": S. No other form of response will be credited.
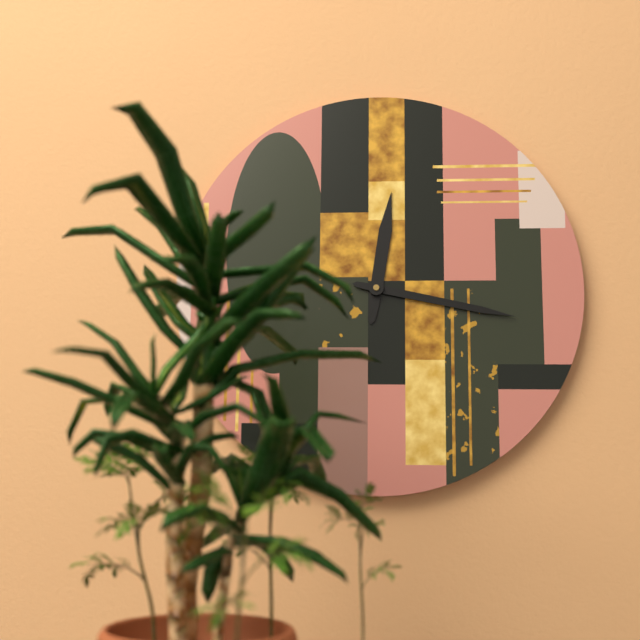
{"hour": 12, "minute": 17}
